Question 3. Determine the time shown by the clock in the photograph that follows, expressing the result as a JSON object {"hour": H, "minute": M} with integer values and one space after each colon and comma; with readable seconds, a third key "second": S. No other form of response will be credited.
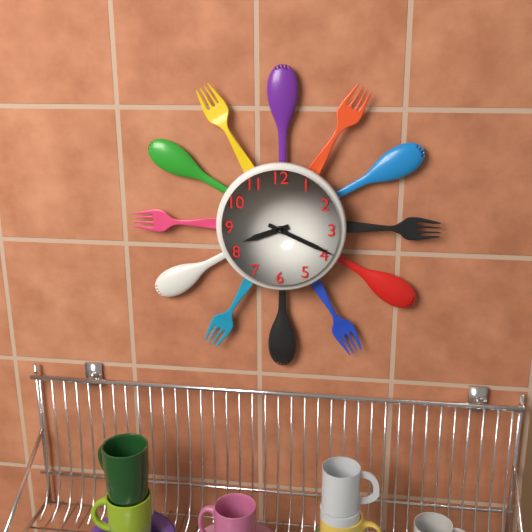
{"hour": 8, "minute": 19}
